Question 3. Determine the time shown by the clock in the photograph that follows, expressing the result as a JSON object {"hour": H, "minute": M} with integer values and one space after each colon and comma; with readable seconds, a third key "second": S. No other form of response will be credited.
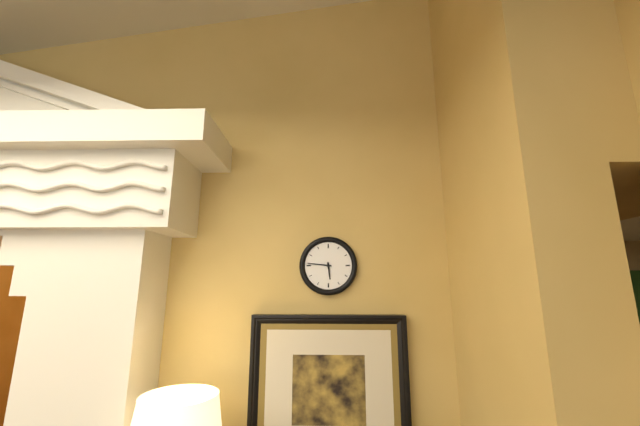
{"hour": 5, "minute": 46}
